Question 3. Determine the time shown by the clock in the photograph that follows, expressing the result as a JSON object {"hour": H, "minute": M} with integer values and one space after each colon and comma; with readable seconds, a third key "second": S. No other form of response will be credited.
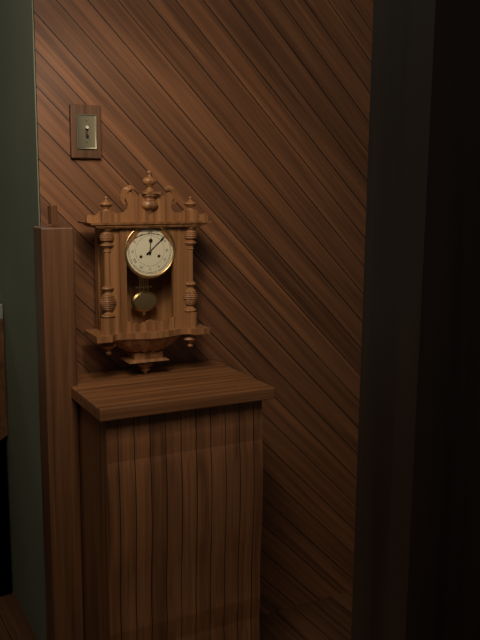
{"hour": 12, "minute": 8}
